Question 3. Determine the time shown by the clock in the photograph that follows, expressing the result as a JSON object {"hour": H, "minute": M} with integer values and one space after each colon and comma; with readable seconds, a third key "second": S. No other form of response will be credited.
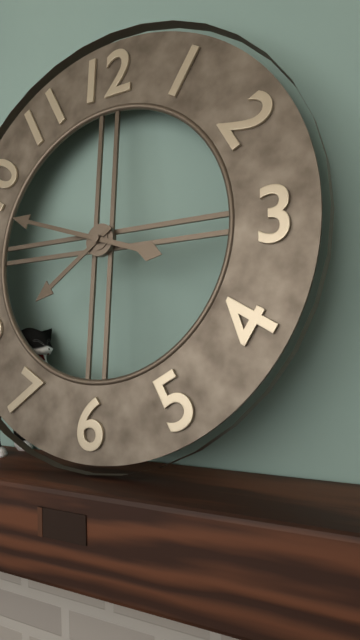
{"hour": 7, "minute": 48}
